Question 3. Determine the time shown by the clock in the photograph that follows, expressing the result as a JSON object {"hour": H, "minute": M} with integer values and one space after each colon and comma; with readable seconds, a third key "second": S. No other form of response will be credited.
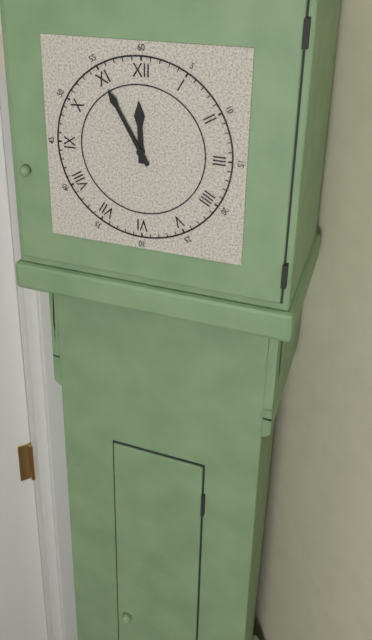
{"hour": 11, "minute": 55}
